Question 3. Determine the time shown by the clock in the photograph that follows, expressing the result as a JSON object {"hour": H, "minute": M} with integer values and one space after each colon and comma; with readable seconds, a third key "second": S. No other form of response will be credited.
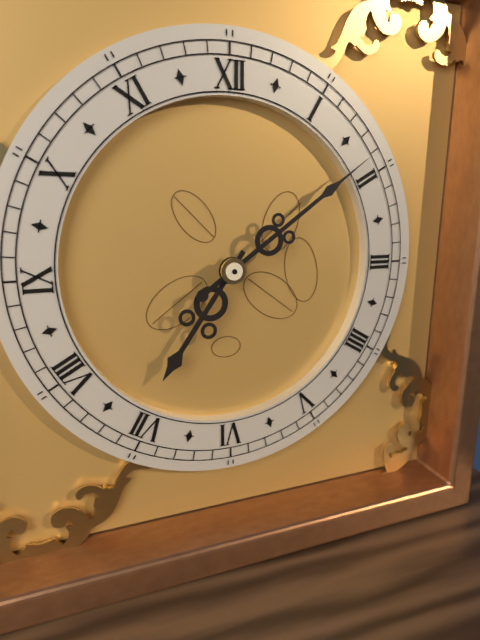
{"hour": 7, "minute": 9}
